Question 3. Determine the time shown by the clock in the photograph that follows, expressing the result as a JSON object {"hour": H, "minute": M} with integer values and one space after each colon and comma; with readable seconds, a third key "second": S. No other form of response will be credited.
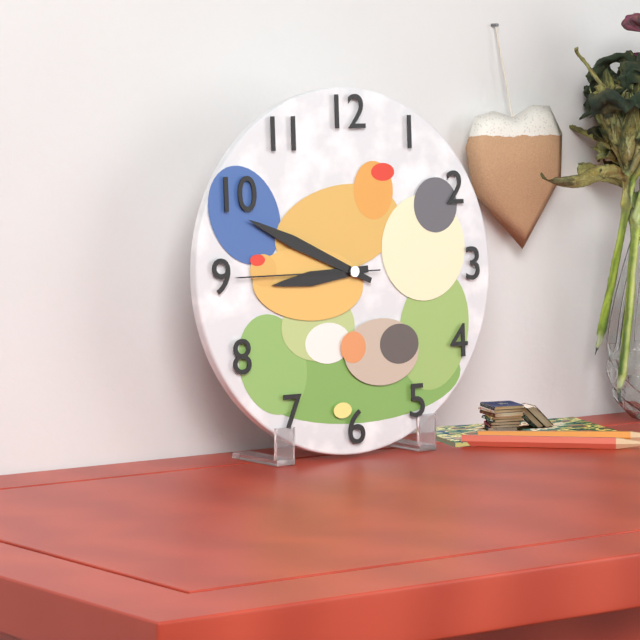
{"hour": 8, "minute": 49, "second": 45}
